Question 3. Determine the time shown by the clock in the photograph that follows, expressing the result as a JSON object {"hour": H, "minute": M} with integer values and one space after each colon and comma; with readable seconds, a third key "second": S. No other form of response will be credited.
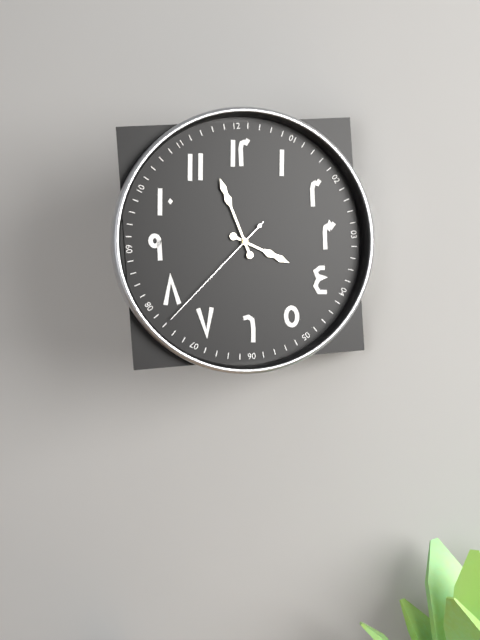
{"hour": 3, "minute": 57, "second": 38}
